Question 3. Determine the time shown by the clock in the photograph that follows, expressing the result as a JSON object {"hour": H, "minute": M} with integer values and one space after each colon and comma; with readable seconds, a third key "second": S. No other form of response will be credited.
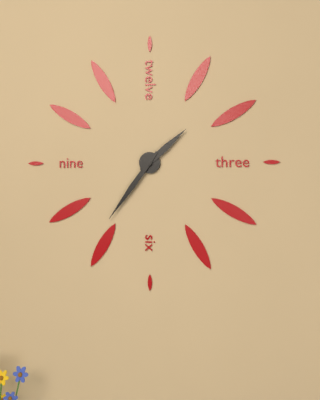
{"hour": 1, "minute": 36}
